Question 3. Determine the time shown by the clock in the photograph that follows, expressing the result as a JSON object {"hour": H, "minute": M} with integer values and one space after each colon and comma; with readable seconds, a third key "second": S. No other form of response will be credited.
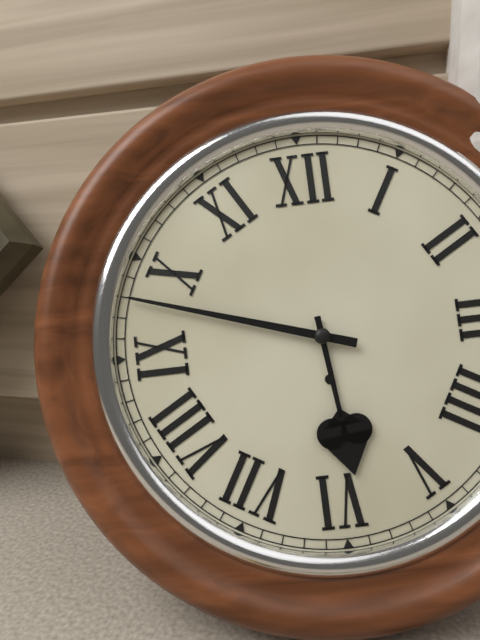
{"hour": 5, "minute": 48}
